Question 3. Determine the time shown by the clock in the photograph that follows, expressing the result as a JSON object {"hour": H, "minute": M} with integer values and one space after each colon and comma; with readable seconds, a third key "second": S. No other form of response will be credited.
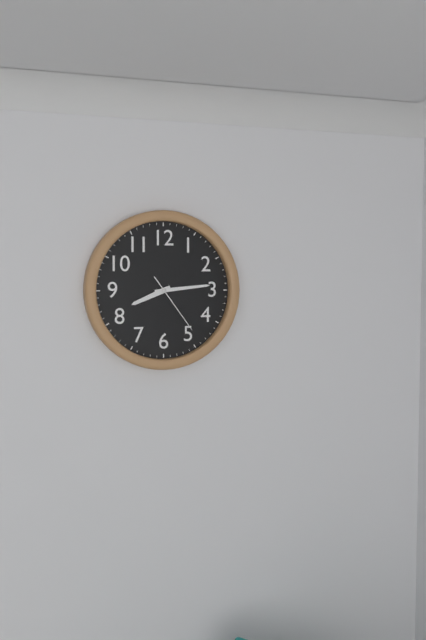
{"hour": 8, "minute": 14, "second": 24}
